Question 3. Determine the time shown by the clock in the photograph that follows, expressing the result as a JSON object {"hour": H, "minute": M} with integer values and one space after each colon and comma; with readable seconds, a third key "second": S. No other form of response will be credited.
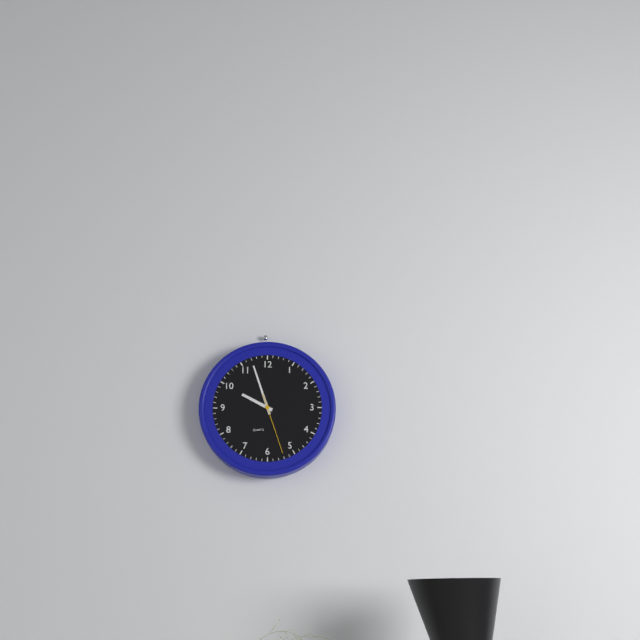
{"hour": 9, "minute": 57, "second": 27}
